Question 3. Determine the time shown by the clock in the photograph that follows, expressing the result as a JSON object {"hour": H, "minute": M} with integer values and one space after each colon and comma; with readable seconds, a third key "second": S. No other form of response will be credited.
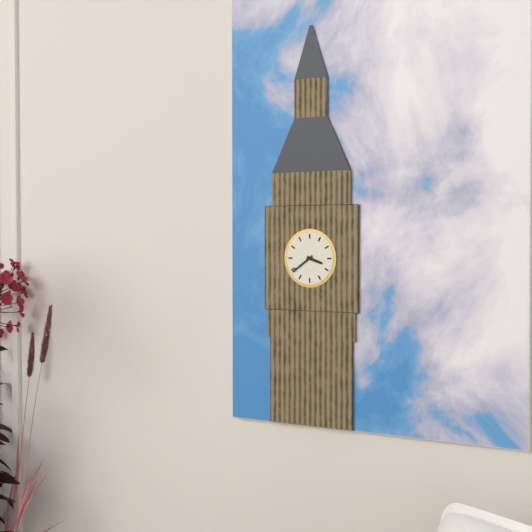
{"hour": 3, "minute": 39}
